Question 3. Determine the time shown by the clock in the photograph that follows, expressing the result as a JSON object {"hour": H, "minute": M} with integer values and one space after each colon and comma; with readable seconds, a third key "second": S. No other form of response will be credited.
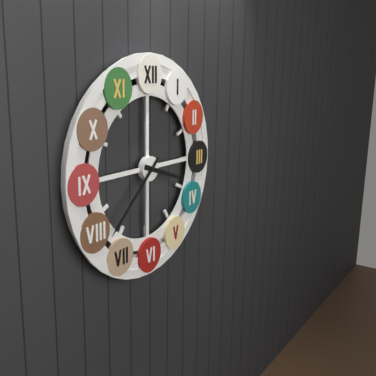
{"hour": 3, "minute": 38}
